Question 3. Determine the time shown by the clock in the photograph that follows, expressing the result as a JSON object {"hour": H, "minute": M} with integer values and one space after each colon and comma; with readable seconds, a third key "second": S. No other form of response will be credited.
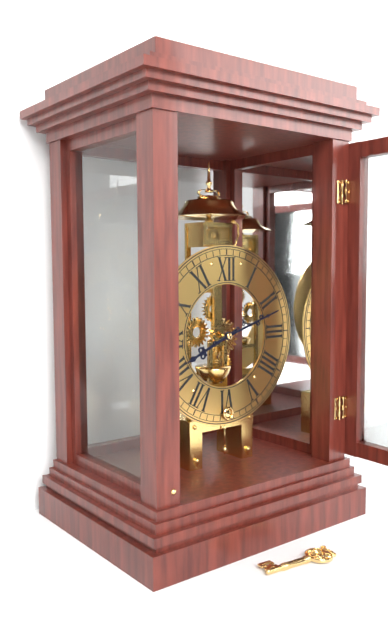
{"hour": 8, "minute": 12}
